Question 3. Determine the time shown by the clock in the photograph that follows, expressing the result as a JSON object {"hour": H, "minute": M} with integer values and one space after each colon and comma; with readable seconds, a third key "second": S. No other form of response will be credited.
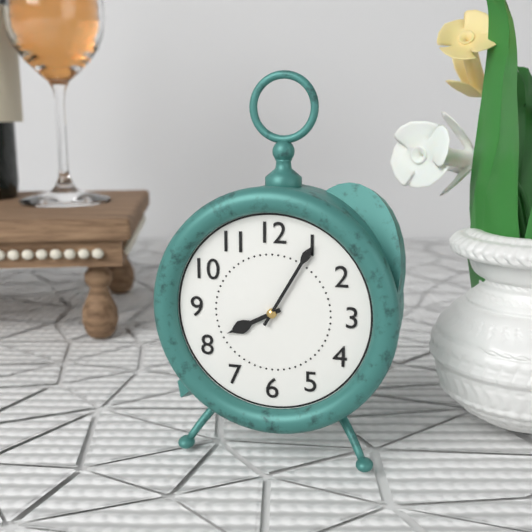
{"hour": 8, "minute": 5}
